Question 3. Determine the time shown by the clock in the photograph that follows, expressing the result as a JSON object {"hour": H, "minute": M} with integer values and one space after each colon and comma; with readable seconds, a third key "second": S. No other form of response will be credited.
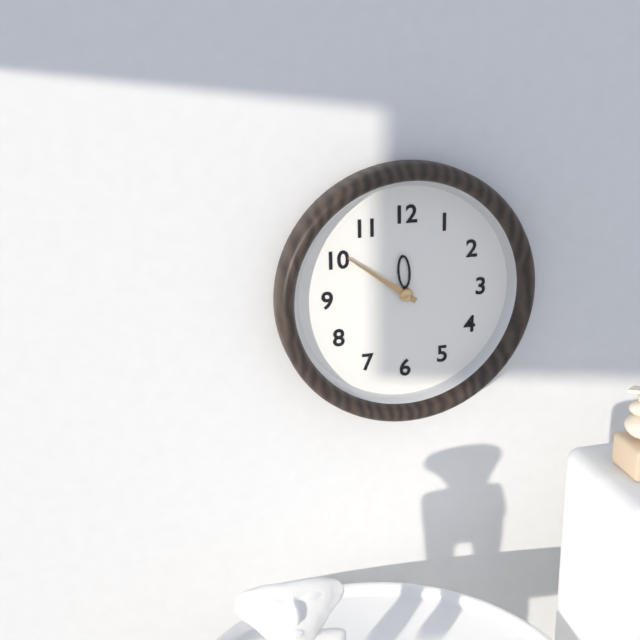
{"hour": 11, "minute": 51}
